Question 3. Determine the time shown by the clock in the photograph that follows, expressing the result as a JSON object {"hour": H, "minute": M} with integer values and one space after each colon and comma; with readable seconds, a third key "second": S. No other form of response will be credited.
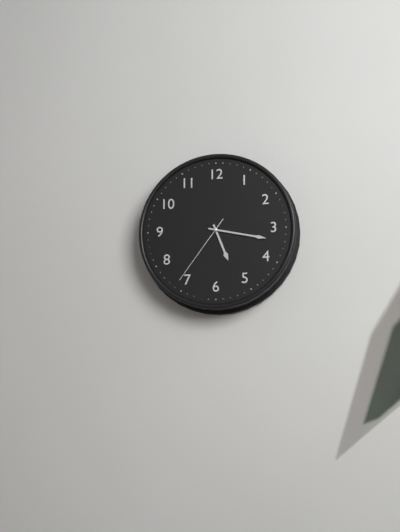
{"hour": 5, "minute": 17, "second": 36}
